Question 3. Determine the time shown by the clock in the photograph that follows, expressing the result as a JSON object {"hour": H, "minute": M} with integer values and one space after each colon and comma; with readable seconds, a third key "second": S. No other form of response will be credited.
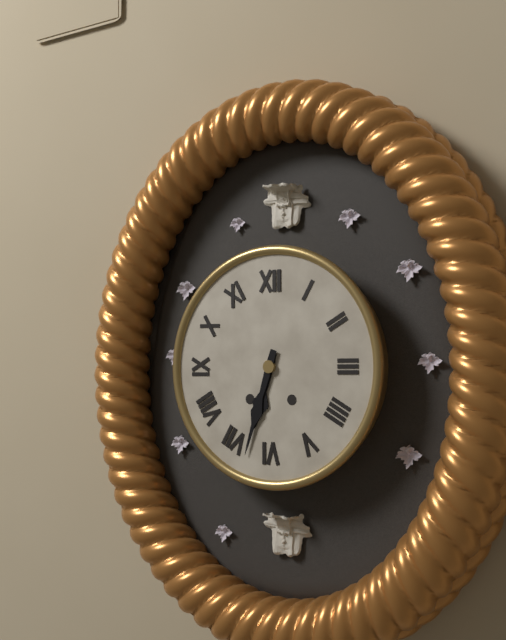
{"hour": 6, "minute": 33}
